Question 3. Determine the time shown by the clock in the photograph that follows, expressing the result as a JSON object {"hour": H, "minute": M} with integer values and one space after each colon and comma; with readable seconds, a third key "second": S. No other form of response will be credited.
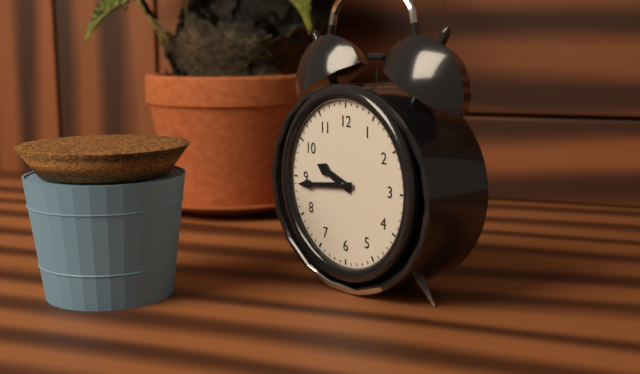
{"hour": 9, "minute": 44}
